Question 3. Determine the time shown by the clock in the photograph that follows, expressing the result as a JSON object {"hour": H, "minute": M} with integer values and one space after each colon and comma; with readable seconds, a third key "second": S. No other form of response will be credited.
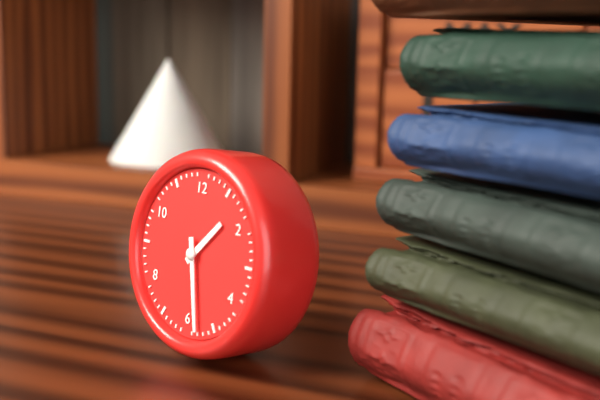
{"hour": 1, "minute": 28}
